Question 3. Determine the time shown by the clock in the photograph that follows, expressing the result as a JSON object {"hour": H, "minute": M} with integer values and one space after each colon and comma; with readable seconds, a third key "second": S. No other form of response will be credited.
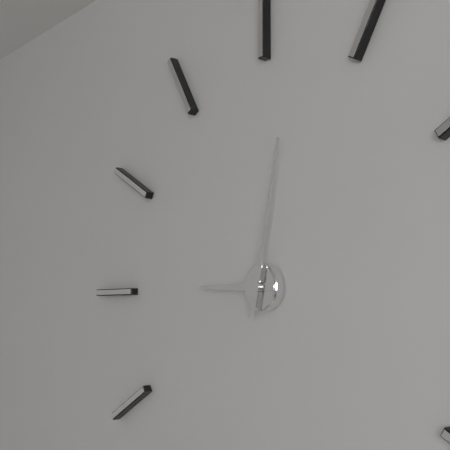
{"hour": 9, "minute": 2}
